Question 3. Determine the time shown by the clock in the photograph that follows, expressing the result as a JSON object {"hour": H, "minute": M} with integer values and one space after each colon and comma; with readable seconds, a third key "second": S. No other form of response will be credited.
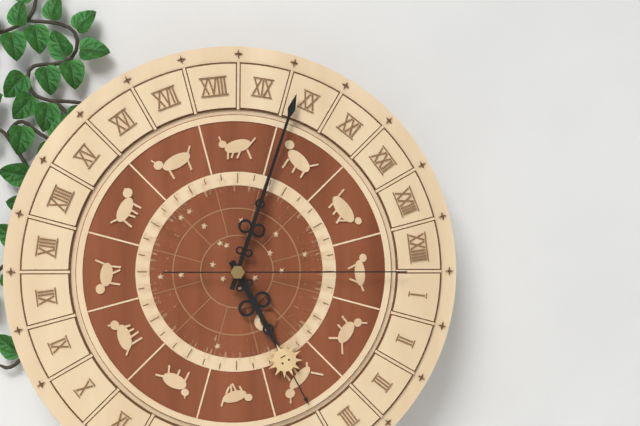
{"hour": 5, "minute": 3, "second": 15}
